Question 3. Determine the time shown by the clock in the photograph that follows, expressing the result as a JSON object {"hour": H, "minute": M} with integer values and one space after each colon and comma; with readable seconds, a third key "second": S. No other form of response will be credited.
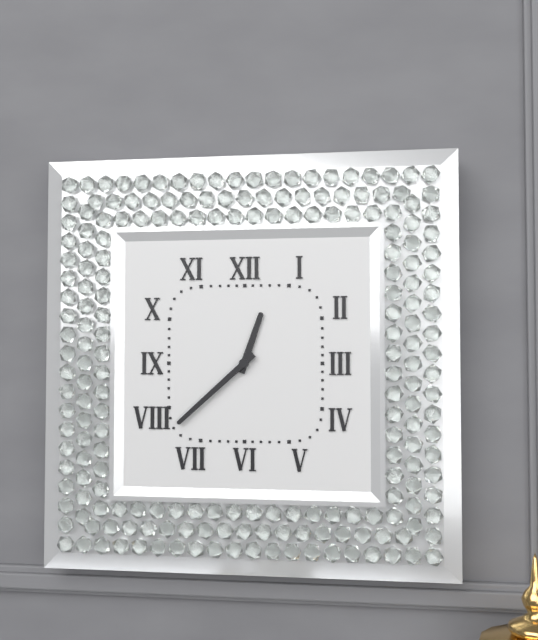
{"hour": 12, "minute": 38}
